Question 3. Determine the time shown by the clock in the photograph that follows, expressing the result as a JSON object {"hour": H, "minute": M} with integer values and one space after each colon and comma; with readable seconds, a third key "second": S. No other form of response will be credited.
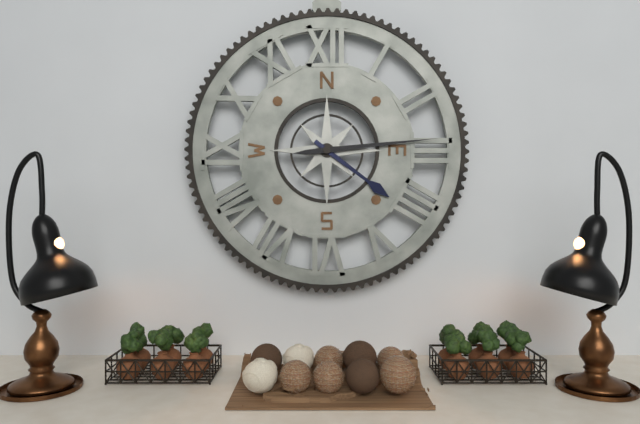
{"hour": 4, "minute": 14}
